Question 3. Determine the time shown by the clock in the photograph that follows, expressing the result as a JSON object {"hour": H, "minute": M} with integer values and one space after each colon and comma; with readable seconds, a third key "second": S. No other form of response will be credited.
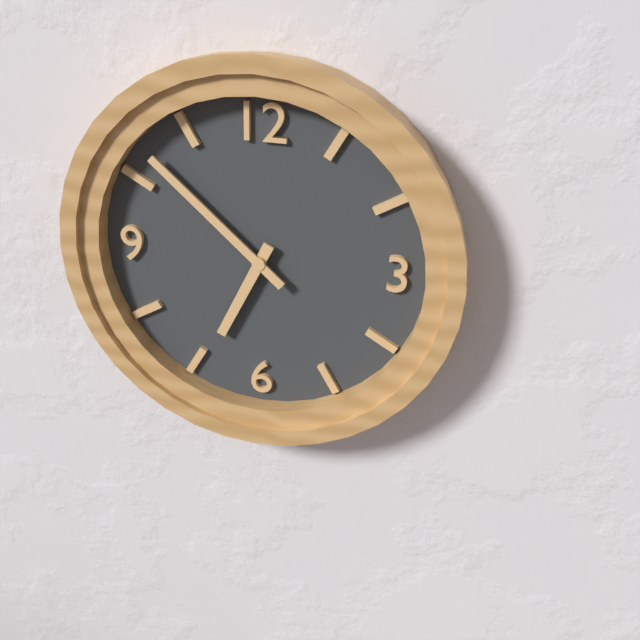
{"hour": 6, "minute": 52}
